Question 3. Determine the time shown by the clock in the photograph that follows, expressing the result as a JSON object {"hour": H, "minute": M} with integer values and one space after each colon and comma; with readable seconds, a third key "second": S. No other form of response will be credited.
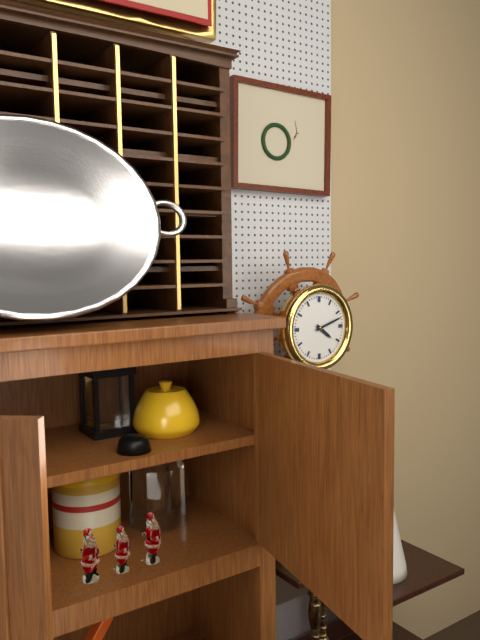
{"hour": 4, "minute": 12}
